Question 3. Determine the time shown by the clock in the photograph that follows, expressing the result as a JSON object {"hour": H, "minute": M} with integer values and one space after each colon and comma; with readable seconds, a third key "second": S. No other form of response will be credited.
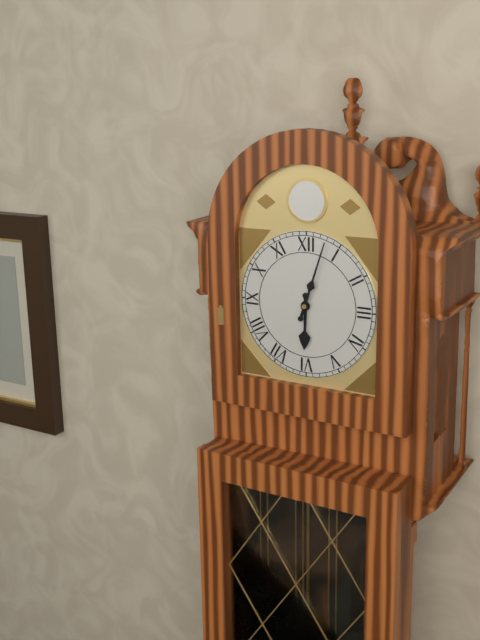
{"hour": 6, "minute": 3}
